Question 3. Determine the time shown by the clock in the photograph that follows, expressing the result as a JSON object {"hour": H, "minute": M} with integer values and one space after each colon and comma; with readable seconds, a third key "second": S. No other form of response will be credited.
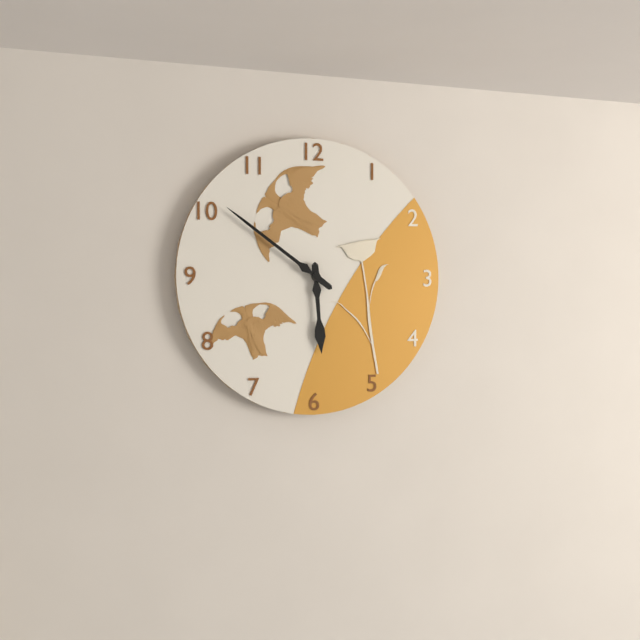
{"hour": 5, "minute": 51}
